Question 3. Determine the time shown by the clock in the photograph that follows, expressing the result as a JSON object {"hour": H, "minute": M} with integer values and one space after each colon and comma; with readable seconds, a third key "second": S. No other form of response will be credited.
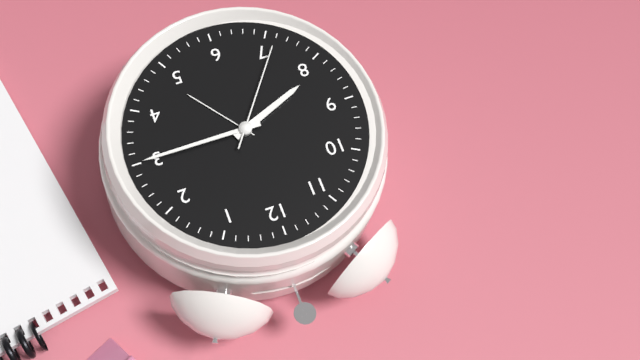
{"hour": 8, "minute": 15, "second": 36}
